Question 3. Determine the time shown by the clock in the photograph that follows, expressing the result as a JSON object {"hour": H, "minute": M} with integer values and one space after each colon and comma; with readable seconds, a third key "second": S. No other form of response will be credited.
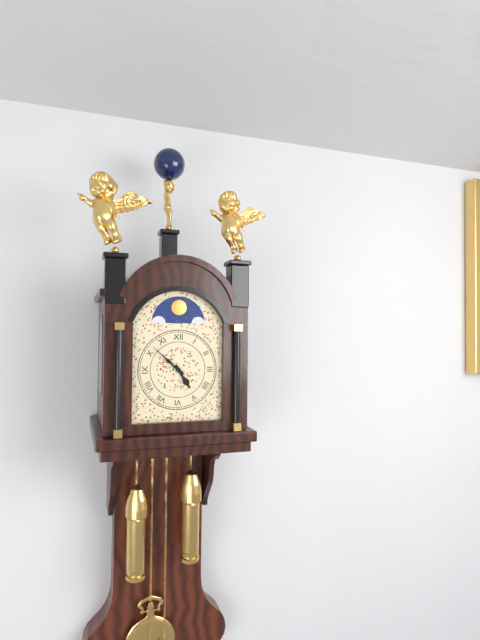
{"hour": 4, "minute": 52}
